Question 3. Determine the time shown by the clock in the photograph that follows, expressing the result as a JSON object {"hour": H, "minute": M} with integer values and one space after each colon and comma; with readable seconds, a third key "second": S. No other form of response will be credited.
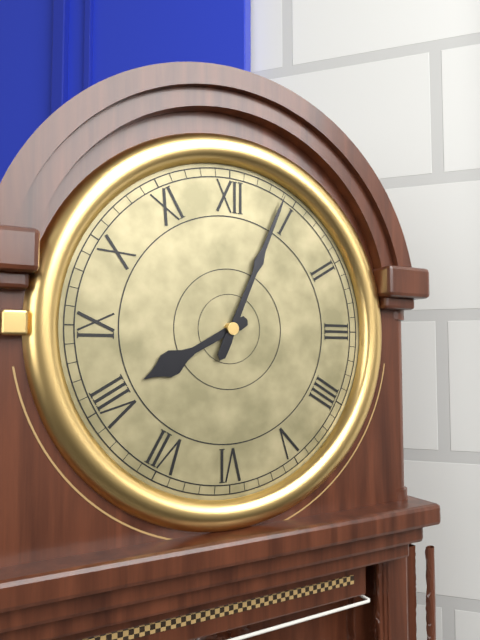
{"hour": 8, "minute": 4}
